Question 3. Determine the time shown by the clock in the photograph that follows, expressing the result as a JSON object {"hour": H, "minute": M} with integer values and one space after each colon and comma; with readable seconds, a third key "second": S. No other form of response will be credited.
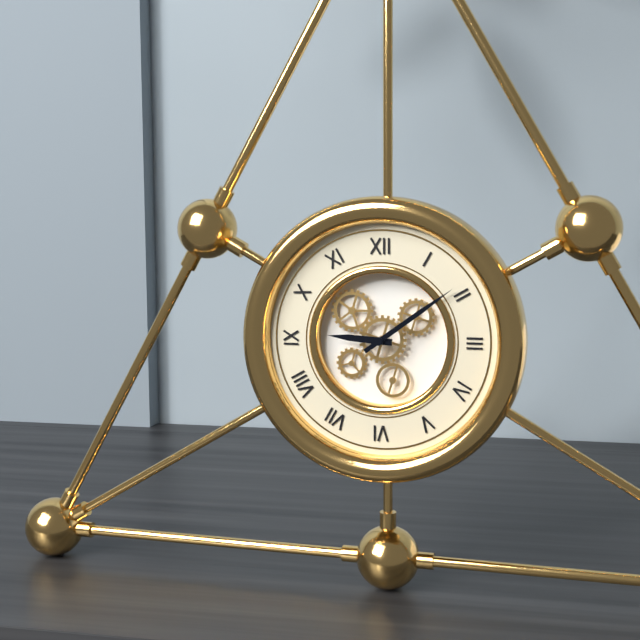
{"hour": 9, "minute": 9}
